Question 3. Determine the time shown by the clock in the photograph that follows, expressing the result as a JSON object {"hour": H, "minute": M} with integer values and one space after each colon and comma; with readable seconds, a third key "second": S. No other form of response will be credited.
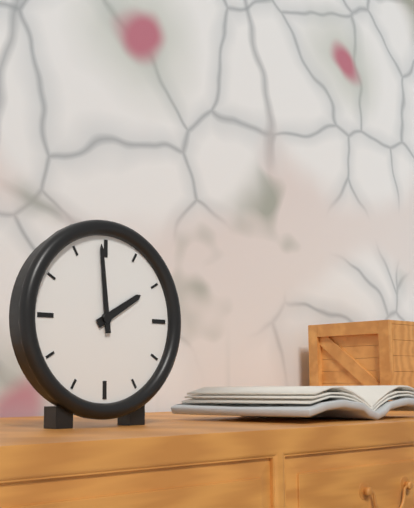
{"hour": 1, "minute": 59}
